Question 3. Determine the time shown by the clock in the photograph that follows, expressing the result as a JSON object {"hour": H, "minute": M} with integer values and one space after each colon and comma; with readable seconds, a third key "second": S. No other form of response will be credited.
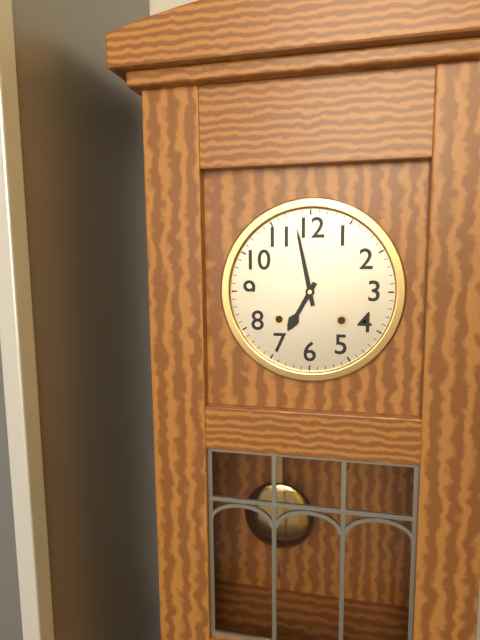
{"hour": 6, "minute": 58}
